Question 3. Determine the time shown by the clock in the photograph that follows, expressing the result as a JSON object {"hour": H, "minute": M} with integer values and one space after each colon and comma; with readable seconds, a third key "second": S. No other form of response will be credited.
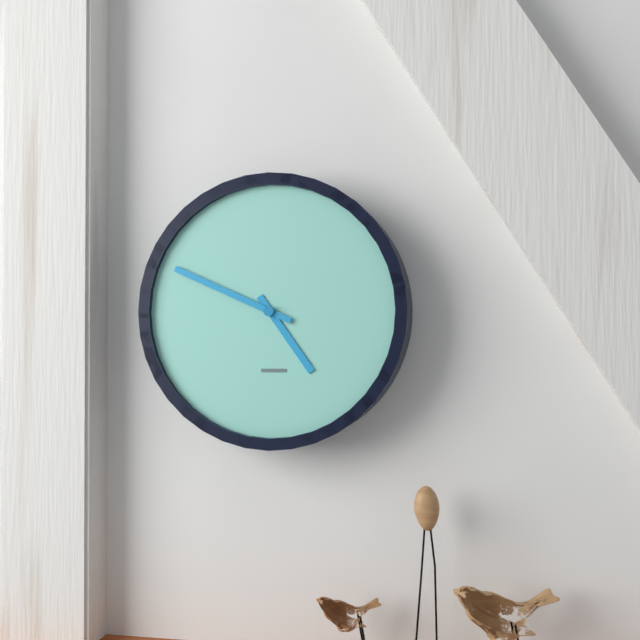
{"hour": 4, "minute": 49}
